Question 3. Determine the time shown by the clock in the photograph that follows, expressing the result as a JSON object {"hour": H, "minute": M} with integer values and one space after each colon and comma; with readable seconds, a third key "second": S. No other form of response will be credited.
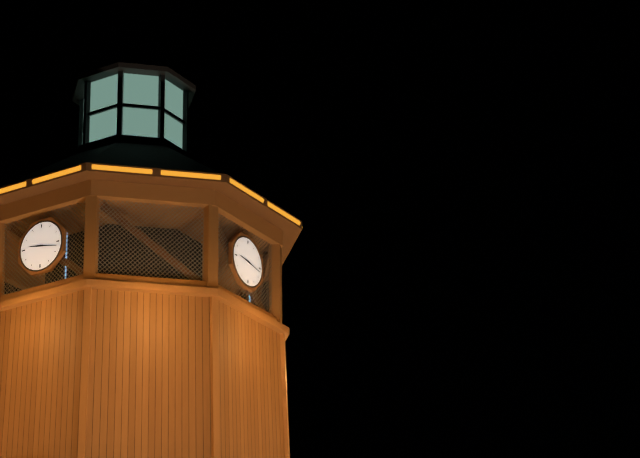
{"hour": 9, "minute": 17}
